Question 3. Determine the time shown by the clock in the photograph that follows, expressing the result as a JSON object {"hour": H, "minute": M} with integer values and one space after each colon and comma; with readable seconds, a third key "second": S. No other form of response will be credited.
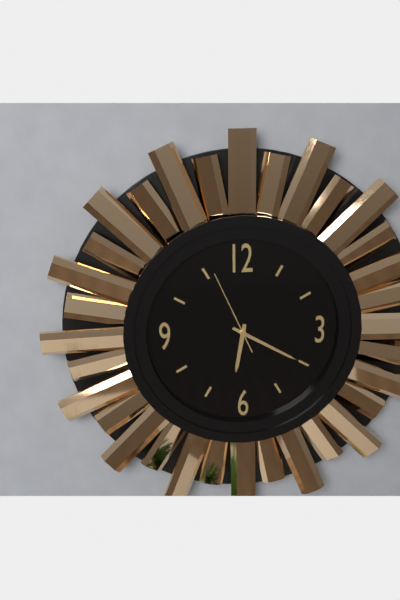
{"hour": 6, "minute": 20, "second": 56}
